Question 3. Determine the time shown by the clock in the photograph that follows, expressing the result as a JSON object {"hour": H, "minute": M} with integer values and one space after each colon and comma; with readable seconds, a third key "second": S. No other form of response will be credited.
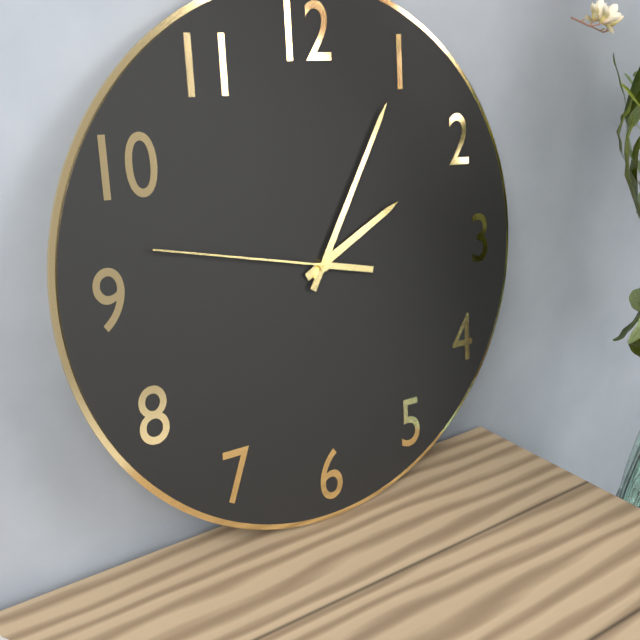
{"hour": 2, "minute": 5, "second": 47}
